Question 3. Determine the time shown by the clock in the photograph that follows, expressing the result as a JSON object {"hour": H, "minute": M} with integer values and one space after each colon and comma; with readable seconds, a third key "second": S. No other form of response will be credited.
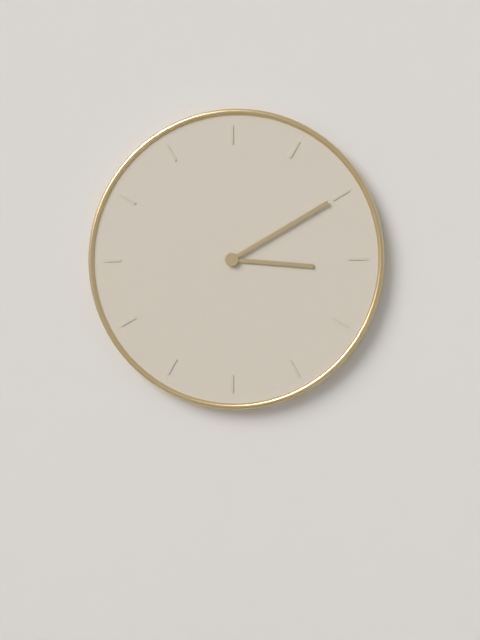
{"hour": 3, "minute": 10}
